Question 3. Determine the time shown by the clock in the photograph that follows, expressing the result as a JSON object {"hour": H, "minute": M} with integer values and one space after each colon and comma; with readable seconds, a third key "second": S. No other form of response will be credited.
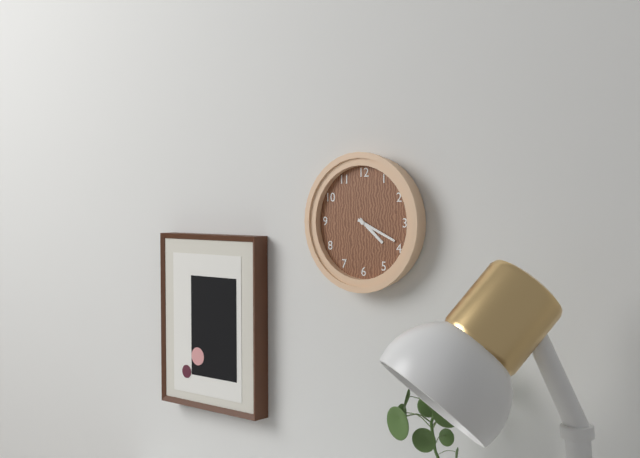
{"hour": 4, "minute": 19}
